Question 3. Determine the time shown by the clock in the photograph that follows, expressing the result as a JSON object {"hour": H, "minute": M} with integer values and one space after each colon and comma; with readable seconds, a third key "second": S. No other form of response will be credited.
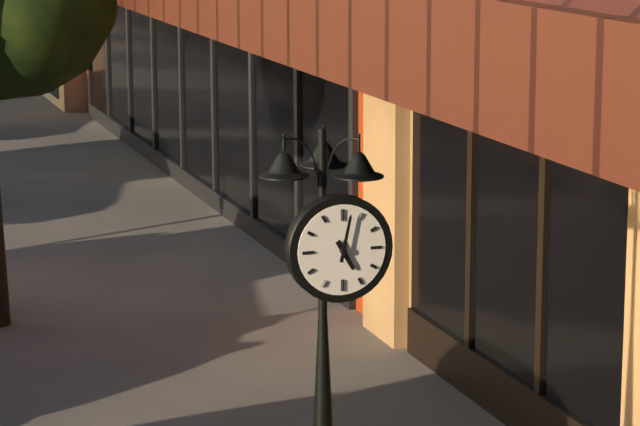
{"hour": 5, "minute": 2}
